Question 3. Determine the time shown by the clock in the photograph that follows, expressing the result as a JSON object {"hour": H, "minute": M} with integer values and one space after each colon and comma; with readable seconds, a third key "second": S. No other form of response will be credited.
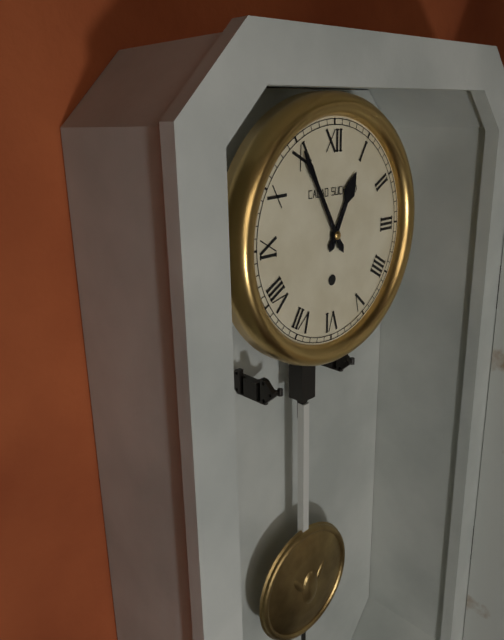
{"hour": 12, "minute": 55}
